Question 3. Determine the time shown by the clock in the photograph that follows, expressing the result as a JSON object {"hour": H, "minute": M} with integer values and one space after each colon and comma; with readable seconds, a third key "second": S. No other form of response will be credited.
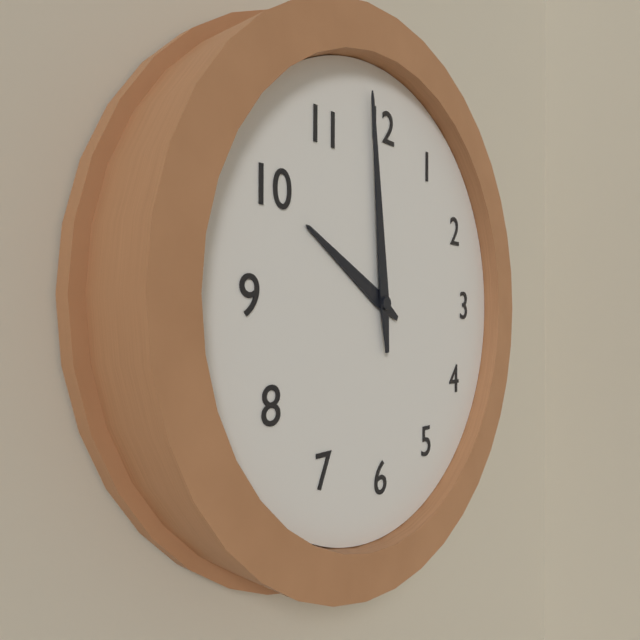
{"hour": 9, "minute": 59}
